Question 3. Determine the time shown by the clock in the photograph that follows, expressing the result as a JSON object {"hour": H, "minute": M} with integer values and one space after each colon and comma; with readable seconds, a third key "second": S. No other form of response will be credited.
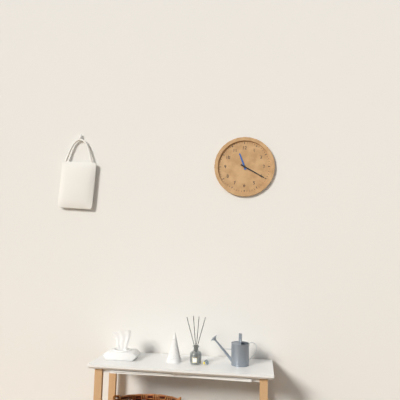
{"hour": 11, "minute": 20}
